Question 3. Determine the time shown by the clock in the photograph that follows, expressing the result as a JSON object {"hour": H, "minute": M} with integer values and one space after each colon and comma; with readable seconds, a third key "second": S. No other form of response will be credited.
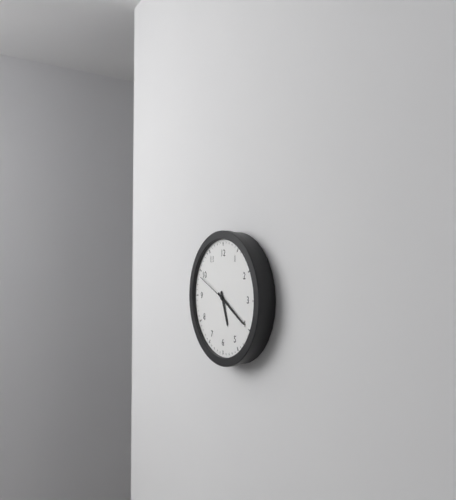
{"hour": 5, "minute": 20}
